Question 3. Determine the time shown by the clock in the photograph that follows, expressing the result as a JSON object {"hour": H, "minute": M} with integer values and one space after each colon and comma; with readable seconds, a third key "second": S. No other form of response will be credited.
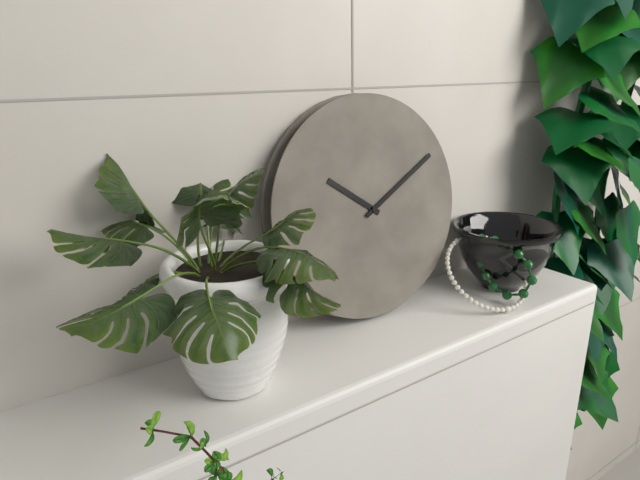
{"hour": 10, "minute": 10}
